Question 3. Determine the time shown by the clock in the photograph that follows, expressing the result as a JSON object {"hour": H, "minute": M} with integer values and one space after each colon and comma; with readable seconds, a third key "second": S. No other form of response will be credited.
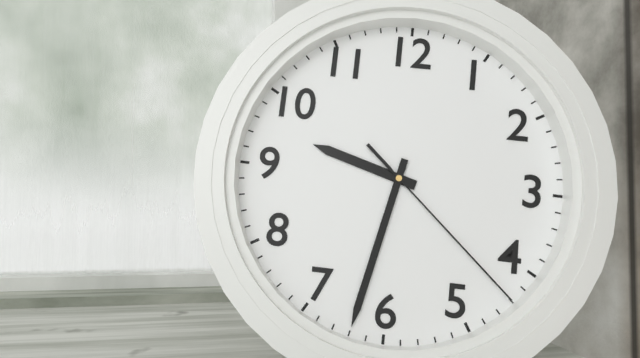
{"hour": 9, "minute": 32, "second": 22}
